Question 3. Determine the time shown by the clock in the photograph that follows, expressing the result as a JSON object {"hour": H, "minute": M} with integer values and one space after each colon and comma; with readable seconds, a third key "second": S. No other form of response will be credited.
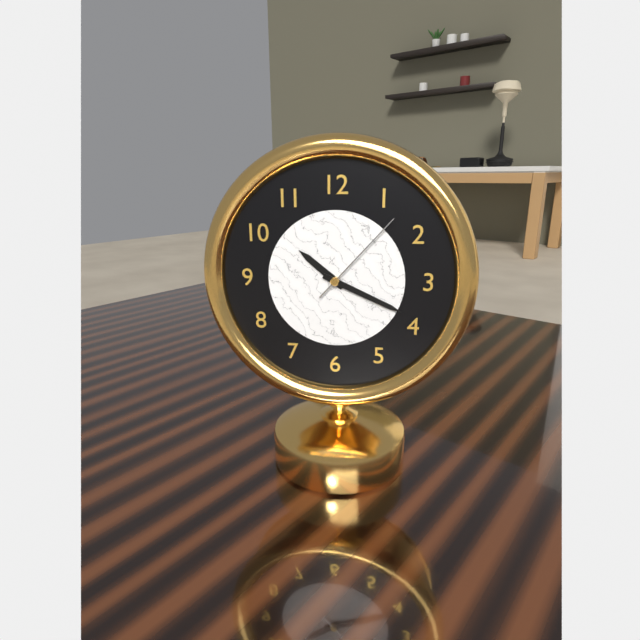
{"hour": 10, "minute": 19, "second": 7}
